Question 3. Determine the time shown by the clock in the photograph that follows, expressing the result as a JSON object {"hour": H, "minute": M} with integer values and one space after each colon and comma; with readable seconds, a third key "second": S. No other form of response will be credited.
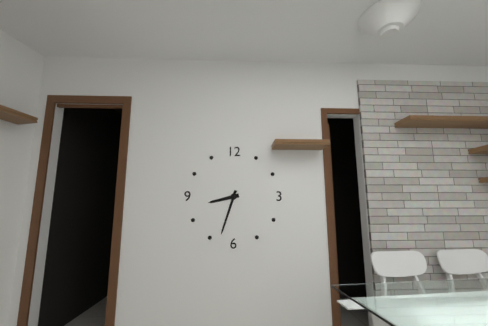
{"hour": 8, "minute": 33}
